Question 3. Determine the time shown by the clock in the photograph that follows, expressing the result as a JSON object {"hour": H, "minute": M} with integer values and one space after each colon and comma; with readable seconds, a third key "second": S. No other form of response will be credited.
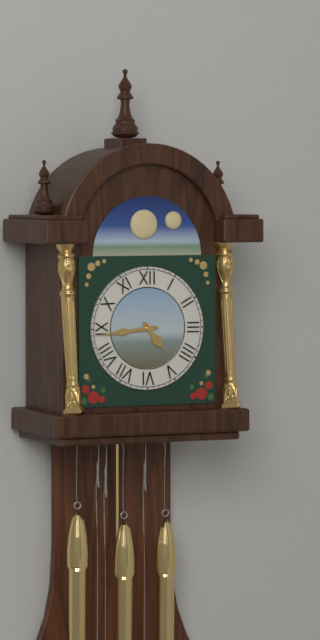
{"hour": 4, "minute": 44}
